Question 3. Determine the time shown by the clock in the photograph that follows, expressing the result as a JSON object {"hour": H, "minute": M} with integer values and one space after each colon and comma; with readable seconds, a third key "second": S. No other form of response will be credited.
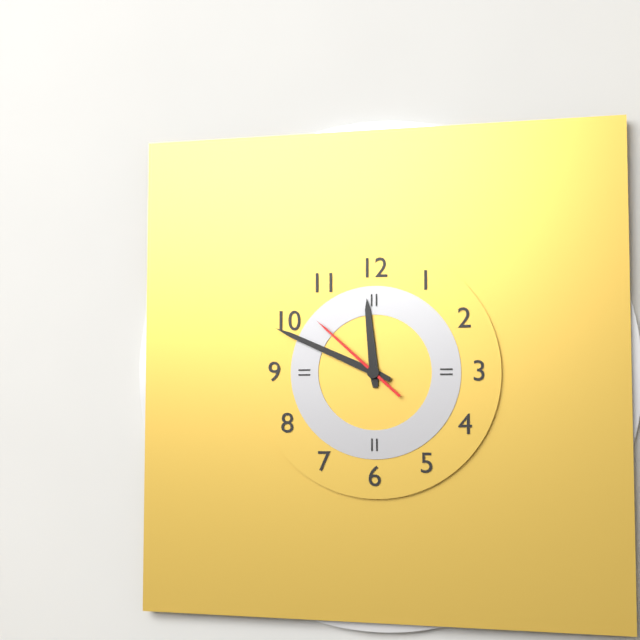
{"hour": 11, "minute": 49, "second": 52}
